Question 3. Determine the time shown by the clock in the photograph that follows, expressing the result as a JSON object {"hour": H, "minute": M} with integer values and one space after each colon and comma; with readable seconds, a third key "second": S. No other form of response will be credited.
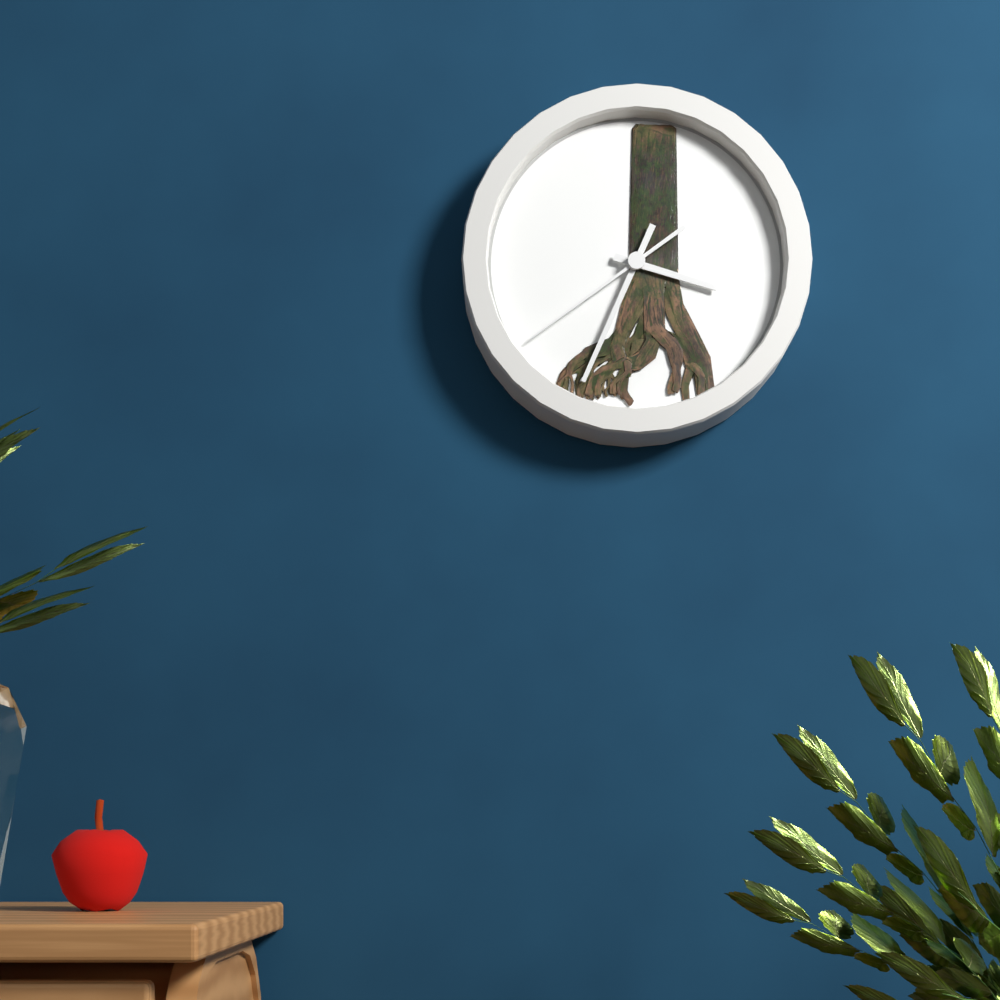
{"hour": 3, "minute": 34, "second": 39}
